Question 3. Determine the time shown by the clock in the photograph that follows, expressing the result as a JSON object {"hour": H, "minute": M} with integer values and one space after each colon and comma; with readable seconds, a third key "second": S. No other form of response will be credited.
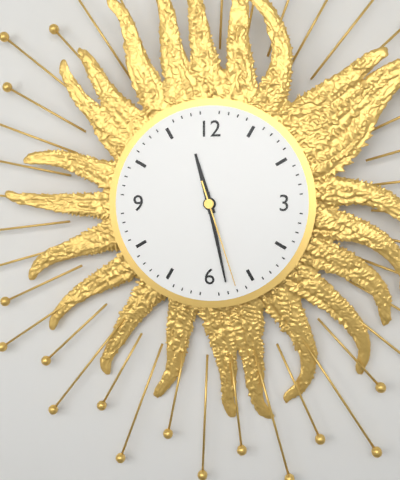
{"hour": 11, "minute": 28, "second": 27}
